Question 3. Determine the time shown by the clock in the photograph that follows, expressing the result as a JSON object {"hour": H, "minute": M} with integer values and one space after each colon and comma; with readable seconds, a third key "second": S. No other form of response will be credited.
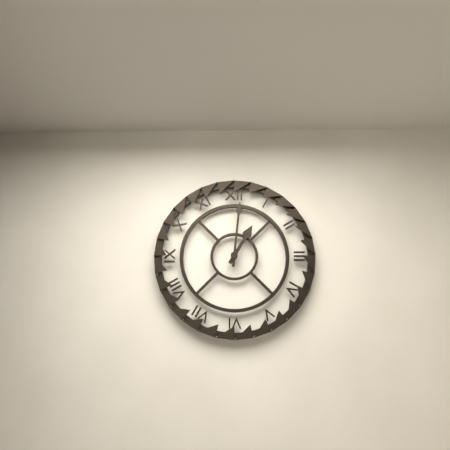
{"hour": 1, "minute": 1}
